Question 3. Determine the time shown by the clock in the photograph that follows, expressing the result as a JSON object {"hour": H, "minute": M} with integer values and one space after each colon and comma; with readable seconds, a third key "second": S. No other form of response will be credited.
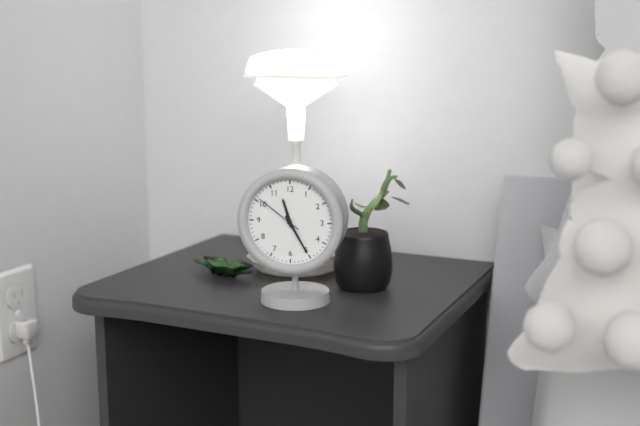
{"hour": 11, "minute": 25}
